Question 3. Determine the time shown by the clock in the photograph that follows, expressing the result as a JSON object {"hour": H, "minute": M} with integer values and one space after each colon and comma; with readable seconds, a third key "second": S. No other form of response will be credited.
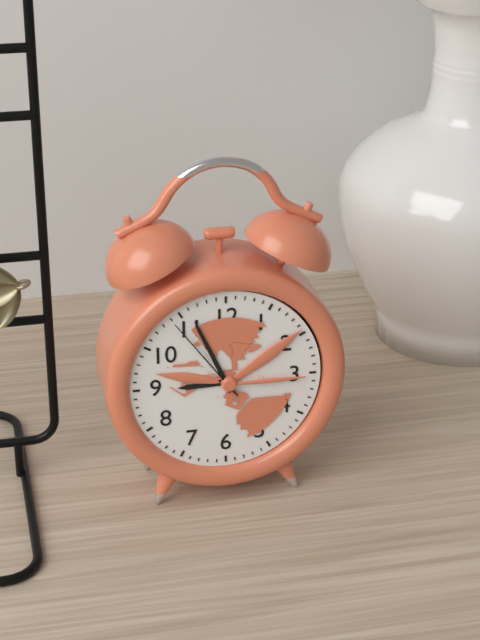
{"hour": 8, "minute": 56, "second": 54}
